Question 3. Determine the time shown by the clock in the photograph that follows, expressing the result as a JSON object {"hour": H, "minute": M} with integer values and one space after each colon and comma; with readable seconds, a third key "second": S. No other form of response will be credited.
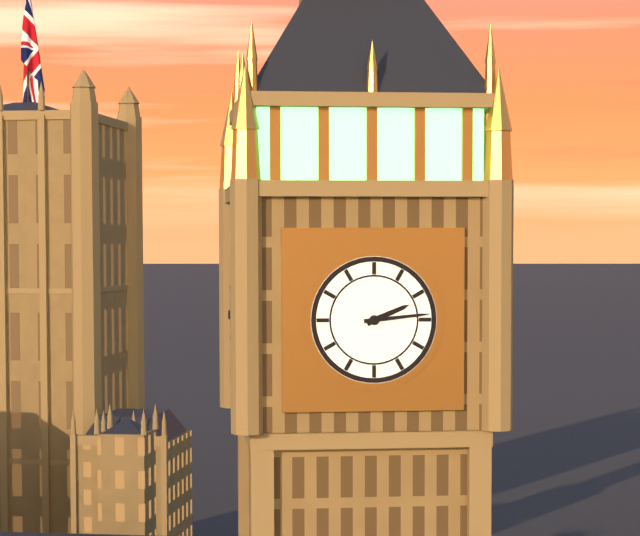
{"hour": 2, "minute": 14}
